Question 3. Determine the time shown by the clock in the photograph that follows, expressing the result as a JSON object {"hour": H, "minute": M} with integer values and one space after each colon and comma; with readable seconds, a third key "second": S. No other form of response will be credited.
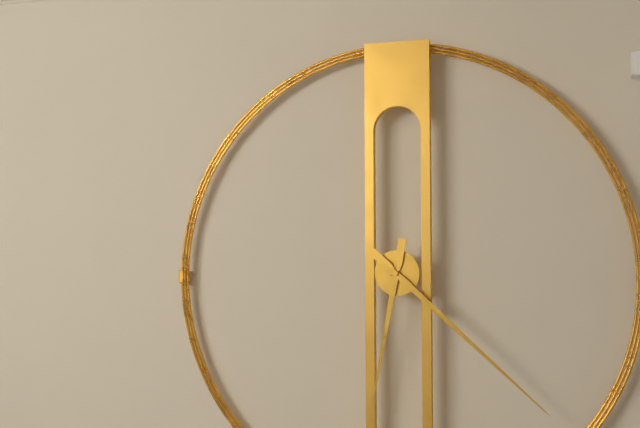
{"hour": 6, "minute": 22}
